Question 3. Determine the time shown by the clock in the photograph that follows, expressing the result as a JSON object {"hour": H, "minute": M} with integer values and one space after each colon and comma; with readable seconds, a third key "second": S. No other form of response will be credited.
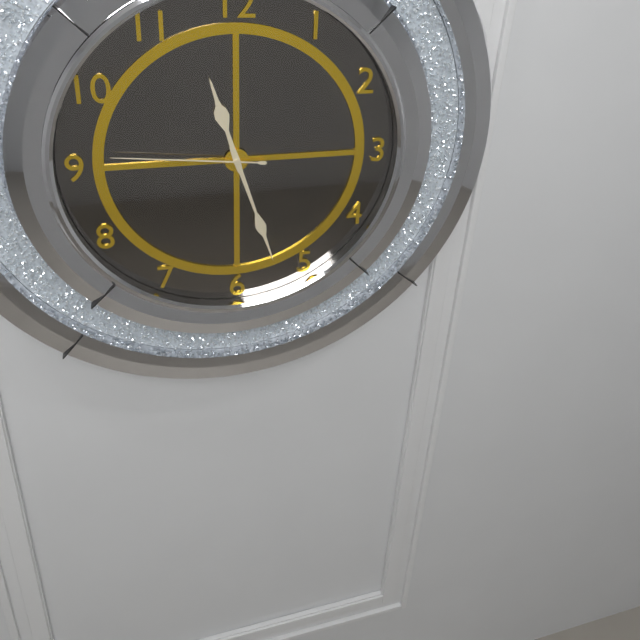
{"hour": 11, "minute": 27, "second": 46}
